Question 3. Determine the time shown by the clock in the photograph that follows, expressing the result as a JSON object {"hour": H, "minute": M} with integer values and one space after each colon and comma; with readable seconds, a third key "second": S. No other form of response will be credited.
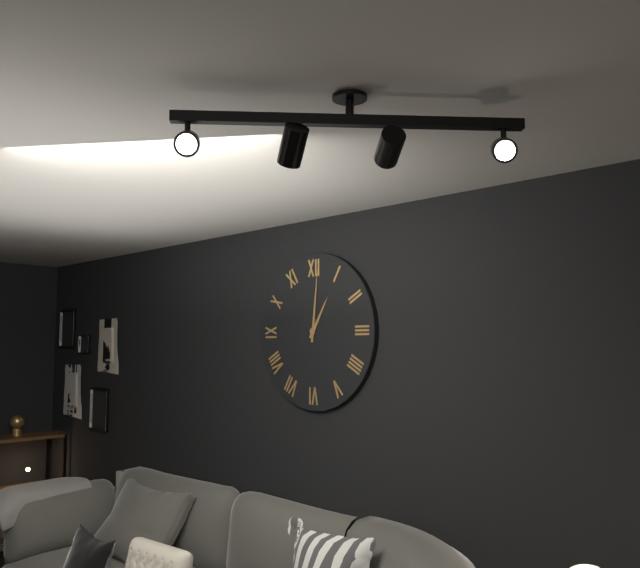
{"hour": 1, "minute": 1}
